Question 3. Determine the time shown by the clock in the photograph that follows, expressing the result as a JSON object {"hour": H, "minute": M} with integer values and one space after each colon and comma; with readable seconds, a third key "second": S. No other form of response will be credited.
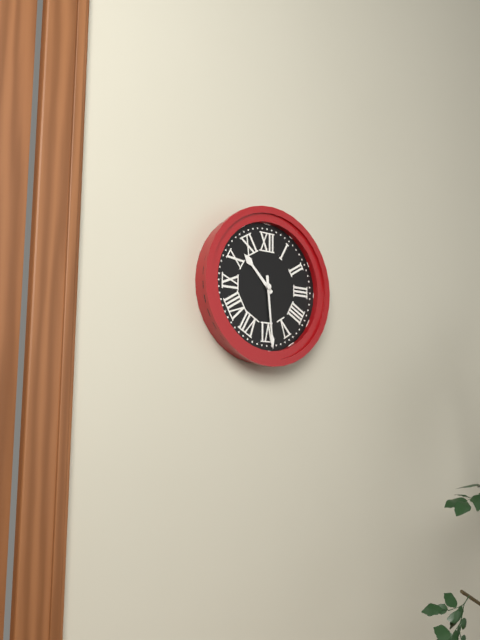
{"hour": 10, "minute": 29}
